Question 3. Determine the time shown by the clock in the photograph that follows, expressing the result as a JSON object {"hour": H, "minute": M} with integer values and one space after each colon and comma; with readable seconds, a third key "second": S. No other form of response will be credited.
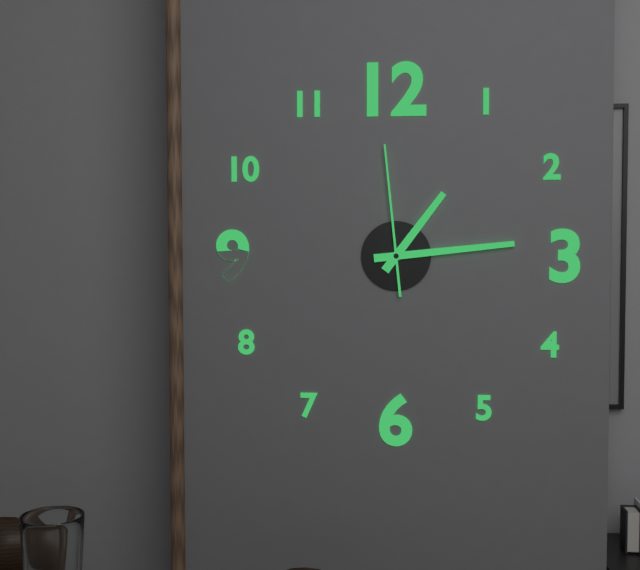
{"hour": 1, "minute": 14, "second": 59}
